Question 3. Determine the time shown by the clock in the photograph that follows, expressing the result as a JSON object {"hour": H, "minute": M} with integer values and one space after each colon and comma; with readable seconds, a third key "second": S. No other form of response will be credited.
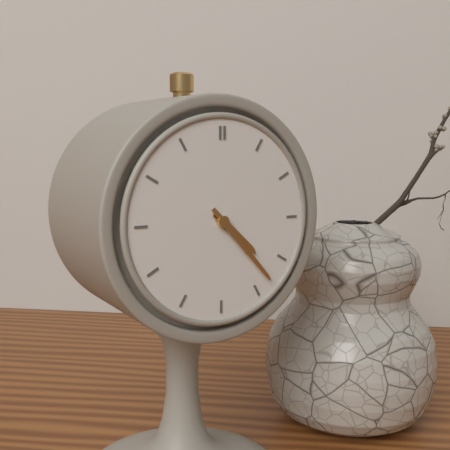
{"hour": 4, "minute": 23}
